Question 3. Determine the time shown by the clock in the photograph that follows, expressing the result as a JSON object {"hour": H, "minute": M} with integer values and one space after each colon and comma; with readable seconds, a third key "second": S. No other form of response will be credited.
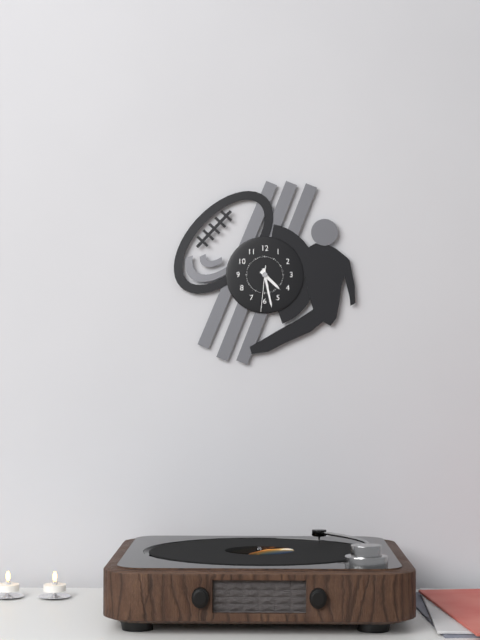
{"hour": 4, "minute": 28}
